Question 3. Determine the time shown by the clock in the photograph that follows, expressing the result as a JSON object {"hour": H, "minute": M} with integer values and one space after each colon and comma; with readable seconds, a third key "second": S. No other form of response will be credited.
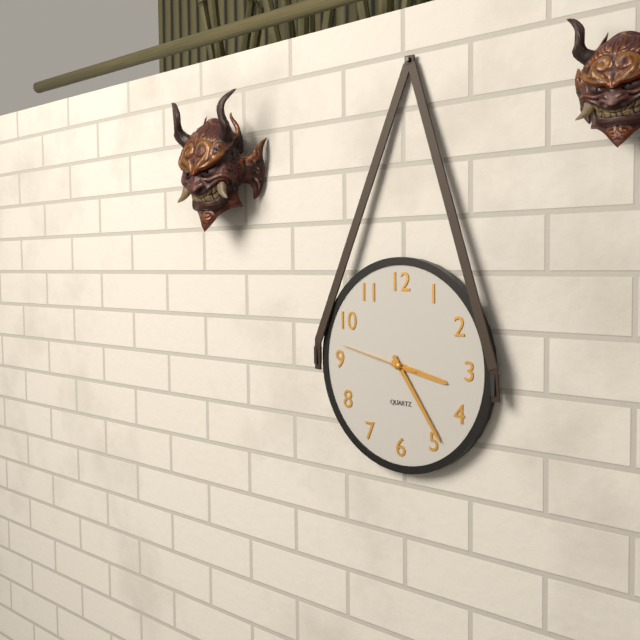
{"hour": 3, "minute": 24, "second": 47}
